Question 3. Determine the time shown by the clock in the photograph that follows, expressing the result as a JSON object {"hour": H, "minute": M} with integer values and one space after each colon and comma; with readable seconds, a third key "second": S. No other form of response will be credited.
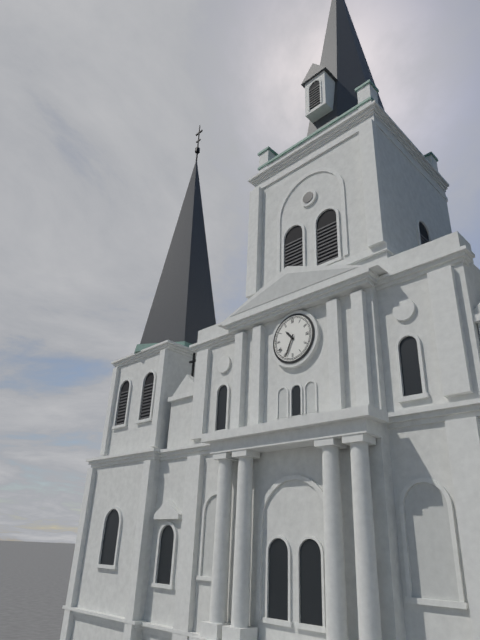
{"hour": 10, "minute": 34}
